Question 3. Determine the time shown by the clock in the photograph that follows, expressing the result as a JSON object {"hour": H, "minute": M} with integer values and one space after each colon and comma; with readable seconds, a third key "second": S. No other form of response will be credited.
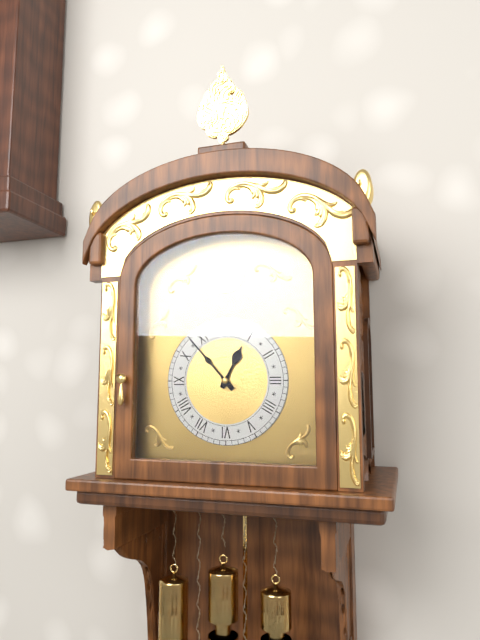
{"hour": 12, "minute": 53}
